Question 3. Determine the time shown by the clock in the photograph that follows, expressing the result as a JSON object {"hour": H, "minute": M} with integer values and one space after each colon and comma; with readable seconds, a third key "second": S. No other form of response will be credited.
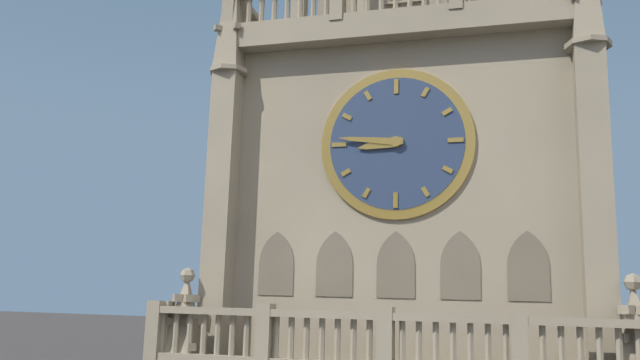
{"hour": 8, "minute": 46}
